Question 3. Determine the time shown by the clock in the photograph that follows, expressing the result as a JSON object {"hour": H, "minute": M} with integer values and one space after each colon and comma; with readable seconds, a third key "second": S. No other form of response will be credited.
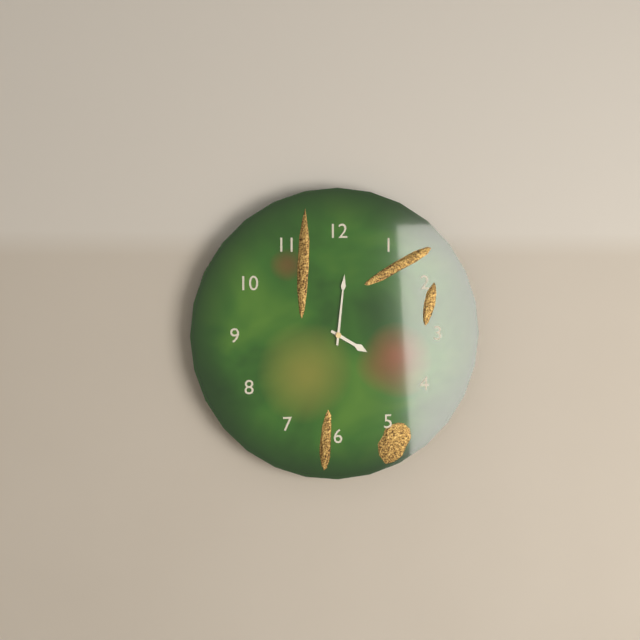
{"hour": 4, "minute": 1}
